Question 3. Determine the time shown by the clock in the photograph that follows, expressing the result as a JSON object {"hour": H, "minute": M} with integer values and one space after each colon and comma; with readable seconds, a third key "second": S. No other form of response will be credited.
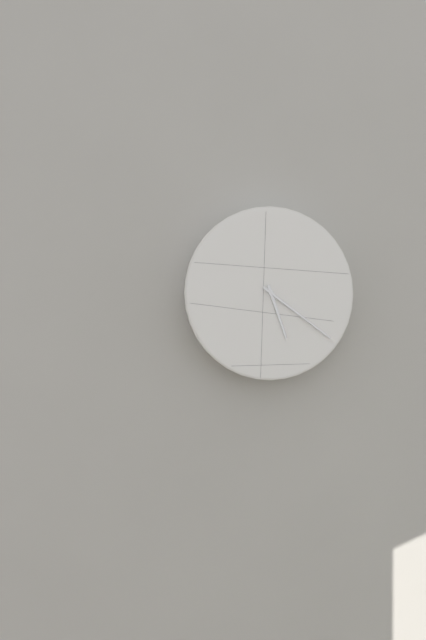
{"hour": 5, "minute": 21}
